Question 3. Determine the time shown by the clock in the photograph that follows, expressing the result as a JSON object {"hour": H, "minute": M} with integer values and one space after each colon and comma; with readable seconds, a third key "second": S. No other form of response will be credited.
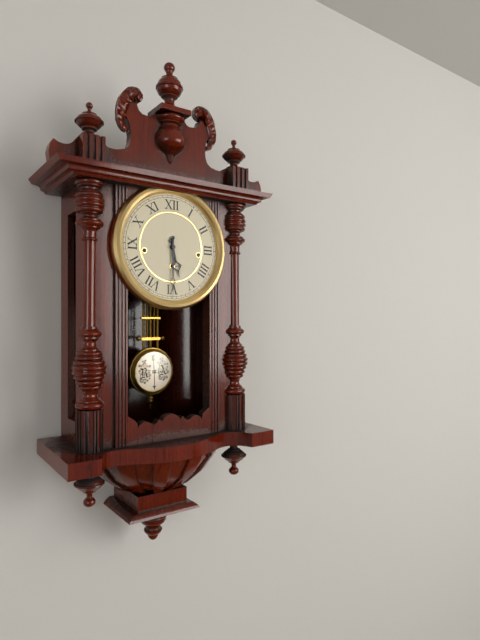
{"hour": 5, "minute": 30}
